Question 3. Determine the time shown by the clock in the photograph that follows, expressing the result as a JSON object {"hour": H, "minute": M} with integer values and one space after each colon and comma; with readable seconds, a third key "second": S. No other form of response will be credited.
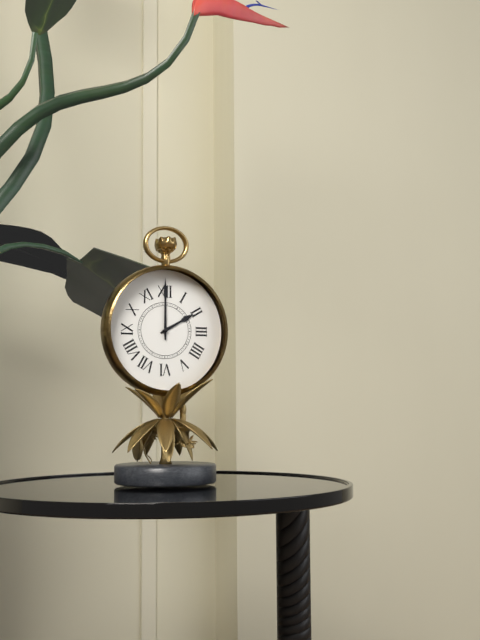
{"hour": 2, "minute": 0}
